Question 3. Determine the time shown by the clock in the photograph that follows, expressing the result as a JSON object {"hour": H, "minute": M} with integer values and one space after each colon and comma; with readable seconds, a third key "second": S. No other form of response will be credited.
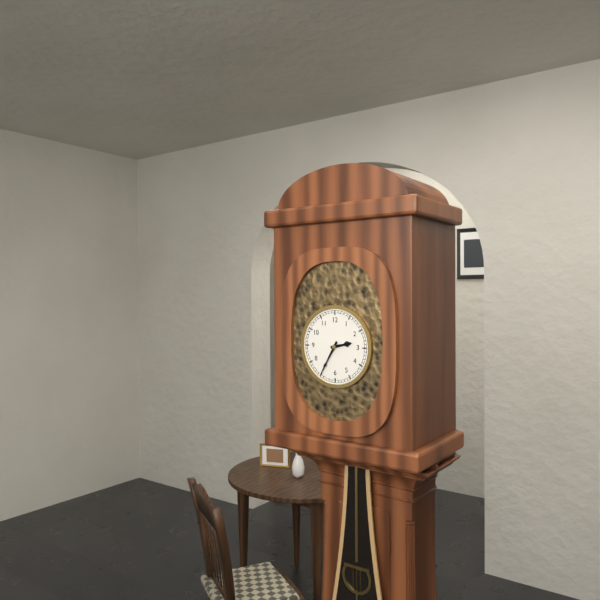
{"hour": 2, "minute": 35}
